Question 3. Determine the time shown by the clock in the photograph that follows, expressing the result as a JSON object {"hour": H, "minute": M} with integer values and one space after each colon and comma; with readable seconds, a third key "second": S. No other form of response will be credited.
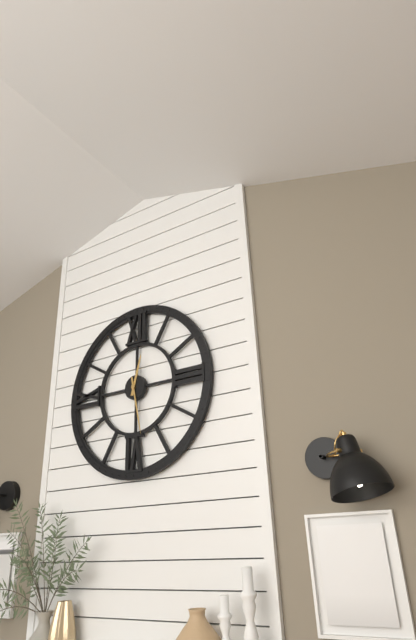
{"hour": 12, "minute": 28}
